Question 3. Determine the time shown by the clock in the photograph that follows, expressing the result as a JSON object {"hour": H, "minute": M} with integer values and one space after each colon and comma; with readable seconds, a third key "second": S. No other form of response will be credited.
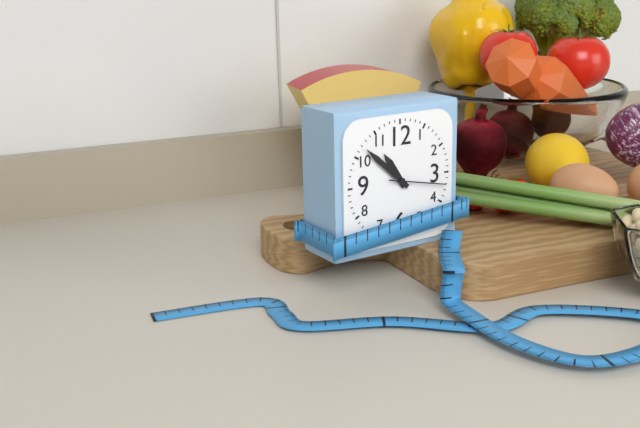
{"hour": 10, "minute": 52, "second": 17}
